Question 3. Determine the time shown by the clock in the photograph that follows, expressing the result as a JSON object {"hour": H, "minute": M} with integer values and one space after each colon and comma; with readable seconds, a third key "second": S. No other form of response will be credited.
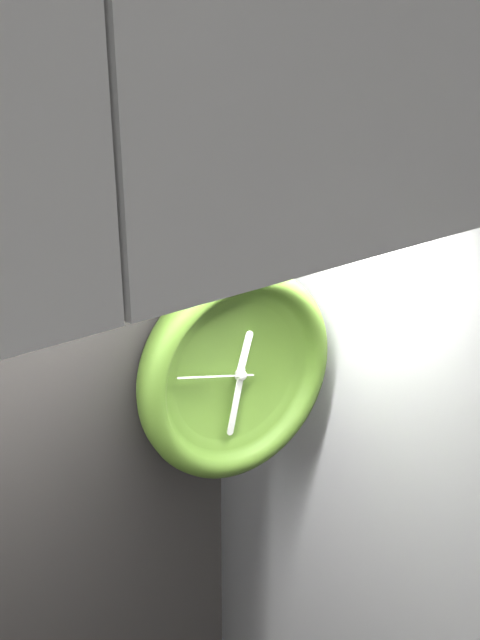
{"hour": 12, "minute": 32, "second": 47}
